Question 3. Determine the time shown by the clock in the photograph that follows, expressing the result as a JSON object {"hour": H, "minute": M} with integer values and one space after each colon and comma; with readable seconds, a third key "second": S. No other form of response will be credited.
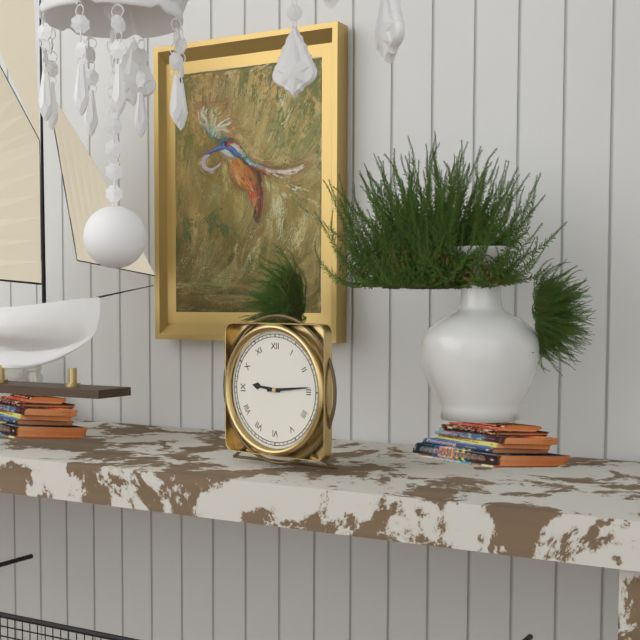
{"hour": 9, "minute": 14}
